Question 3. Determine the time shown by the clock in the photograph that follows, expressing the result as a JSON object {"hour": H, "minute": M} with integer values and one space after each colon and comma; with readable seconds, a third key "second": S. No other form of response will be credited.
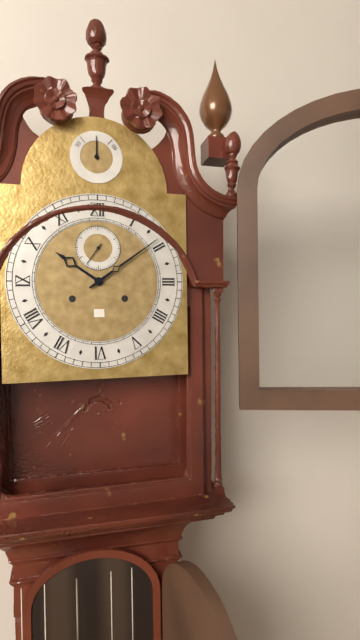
{"hour": 10, "minute": 9}
